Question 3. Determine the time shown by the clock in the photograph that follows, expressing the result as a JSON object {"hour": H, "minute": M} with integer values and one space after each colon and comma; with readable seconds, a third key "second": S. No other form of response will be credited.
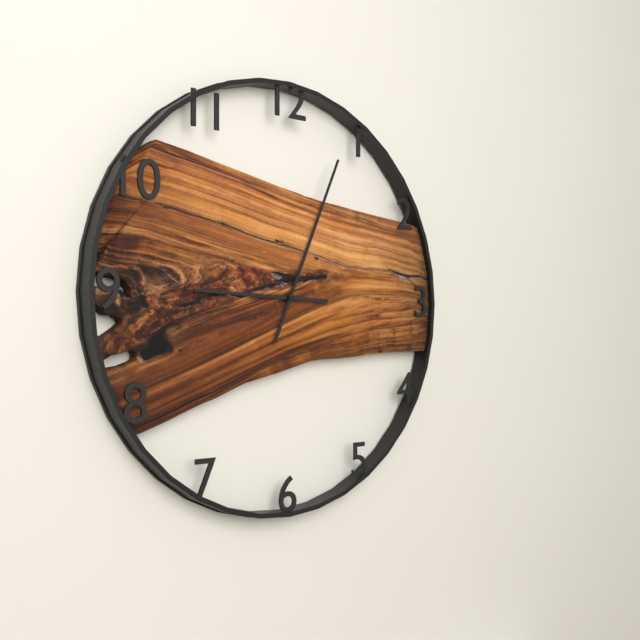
{"hour": 9, "minute": 4}
